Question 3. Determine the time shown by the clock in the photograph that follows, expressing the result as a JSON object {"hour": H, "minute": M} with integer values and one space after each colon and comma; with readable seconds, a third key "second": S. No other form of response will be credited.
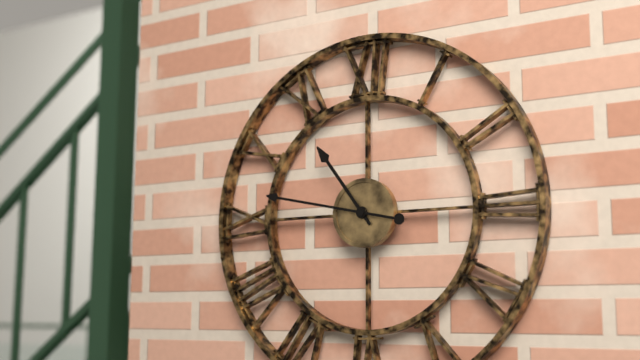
{"hour": 10, "minute": 47}
